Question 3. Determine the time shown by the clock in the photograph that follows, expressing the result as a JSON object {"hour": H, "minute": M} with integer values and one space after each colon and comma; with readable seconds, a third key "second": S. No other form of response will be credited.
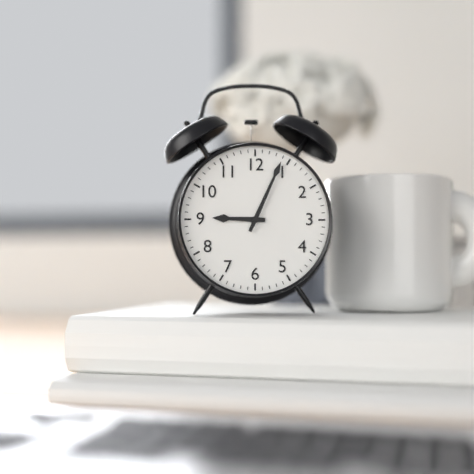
{"hour": 9, "minute": 4}
